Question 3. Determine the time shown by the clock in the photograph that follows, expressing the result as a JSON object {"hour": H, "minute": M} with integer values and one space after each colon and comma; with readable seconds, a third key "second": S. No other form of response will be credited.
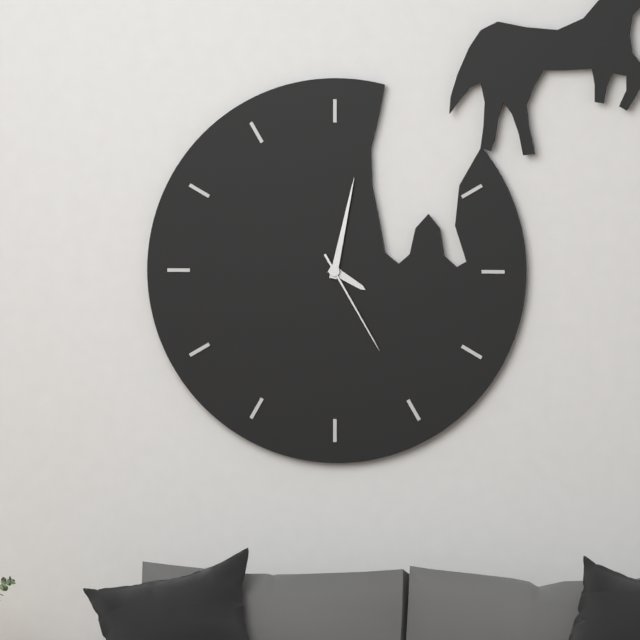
{"hour": 4, "minute": 2, "second": 25}
